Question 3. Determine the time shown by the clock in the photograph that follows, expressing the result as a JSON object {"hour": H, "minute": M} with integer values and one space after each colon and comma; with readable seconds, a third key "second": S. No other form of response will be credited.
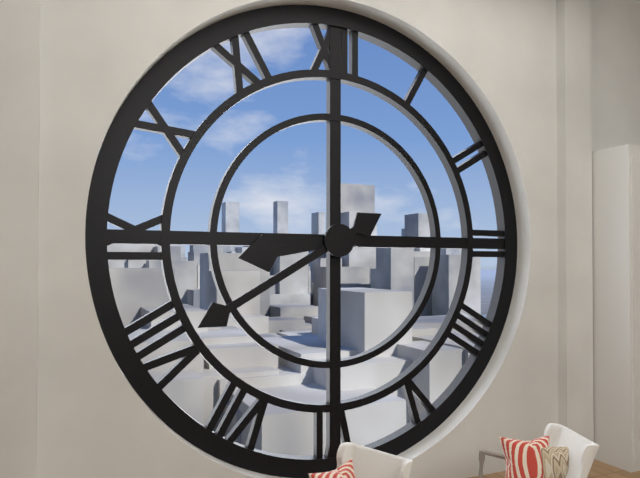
{"hour": 8, "minute": 40}
